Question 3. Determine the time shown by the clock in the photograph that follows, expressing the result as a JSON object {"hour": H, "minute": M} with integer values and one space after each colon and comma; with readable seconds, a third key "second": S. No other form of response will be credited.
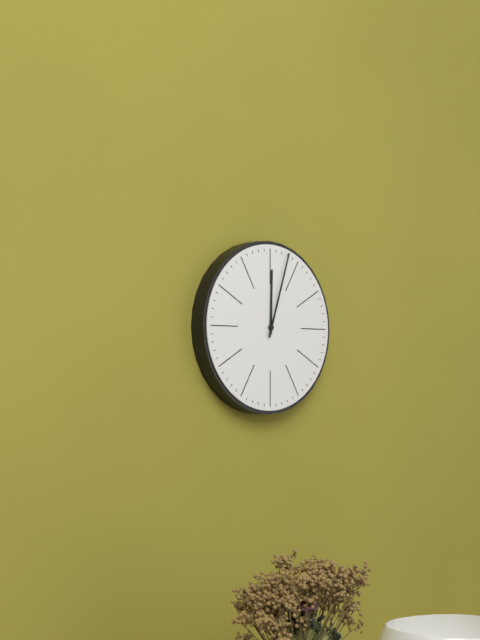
{"hour": 12, "minute": 3}
